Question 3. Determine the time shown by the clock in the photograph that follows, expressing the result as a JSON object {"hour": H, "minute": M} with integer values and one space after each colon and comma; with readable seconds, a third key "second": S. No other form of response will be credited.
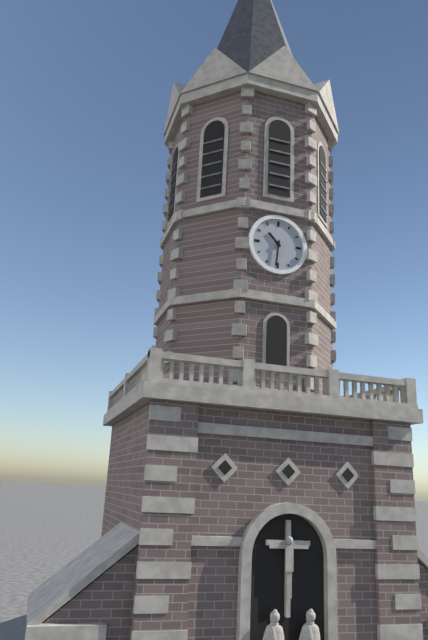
{"hour": 10, "minute": 31}
